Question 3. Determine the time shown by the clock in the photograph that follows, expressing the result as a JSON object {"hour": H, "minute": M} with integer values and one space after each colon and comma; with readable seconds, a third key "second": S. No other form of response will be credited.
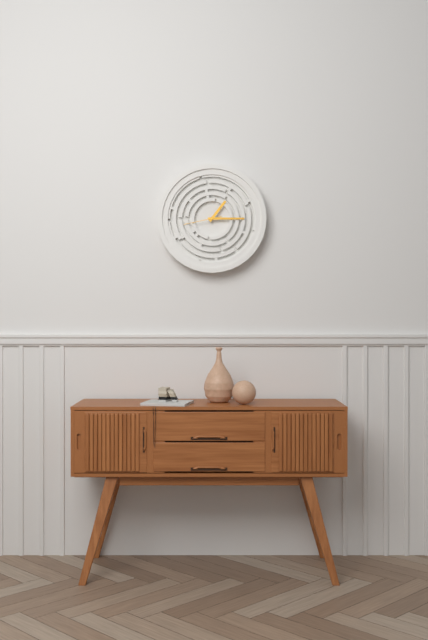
{"hour": 1, "minute": 15}
